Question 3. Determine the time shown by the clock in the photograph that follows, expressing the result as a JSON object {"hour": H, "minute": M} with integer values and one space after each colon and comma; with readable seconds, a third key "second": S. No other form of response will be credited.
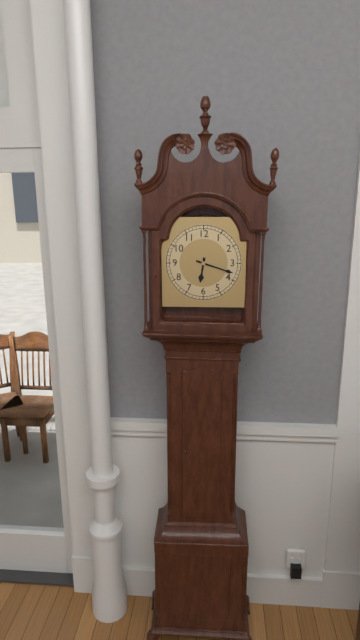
{"hour": 6, "minute": 18}
